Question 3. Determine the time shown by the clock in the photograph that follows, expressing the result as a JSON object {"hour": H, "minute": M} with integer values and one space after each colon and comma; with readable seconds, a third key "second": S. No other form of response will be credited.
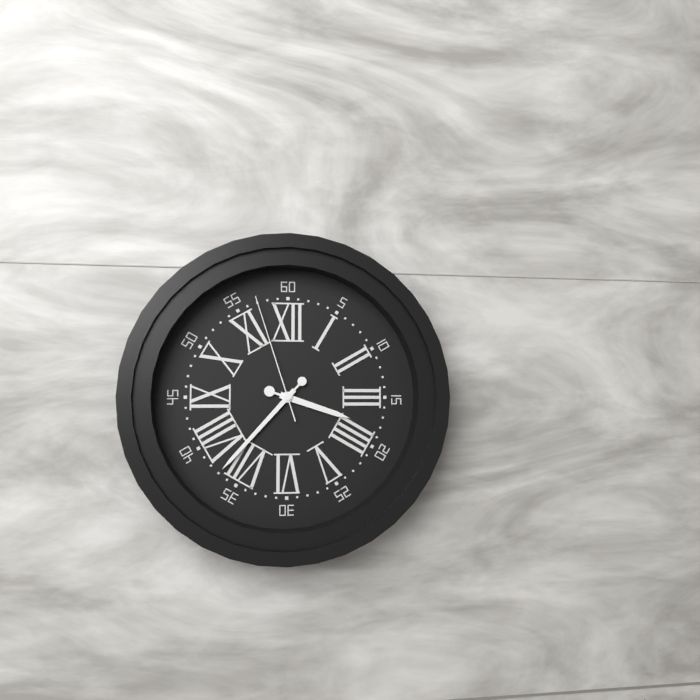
{"hour": 3, "minute": 37, "second": 57}
